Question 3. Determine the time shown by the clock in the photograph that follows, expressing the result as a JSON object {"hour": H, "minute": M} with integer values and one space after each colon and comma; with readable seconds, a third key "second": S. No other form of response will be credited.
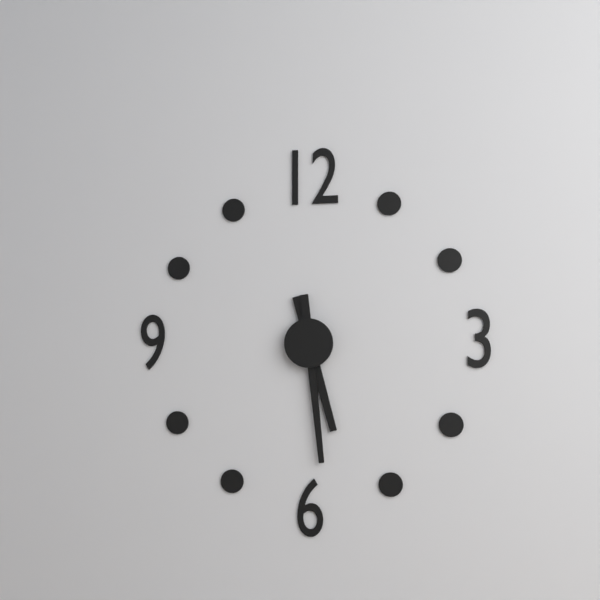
{"hour": 5, "minute": 29}
